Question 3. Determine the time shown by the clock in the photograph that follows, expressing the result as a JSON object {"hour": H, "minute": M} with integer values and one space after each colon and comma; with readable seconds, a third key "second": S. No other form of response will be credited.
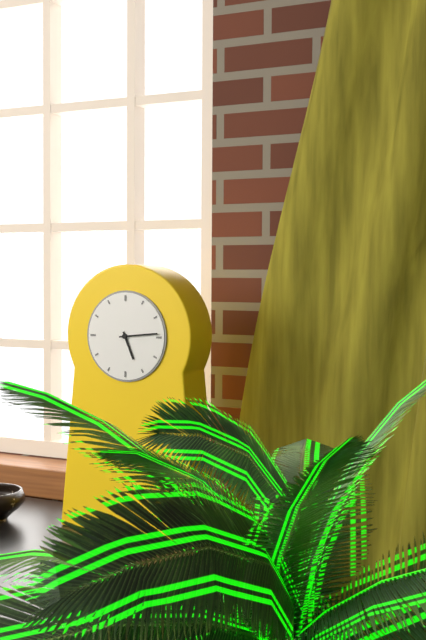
{"hour": 5, "minute": 14}
